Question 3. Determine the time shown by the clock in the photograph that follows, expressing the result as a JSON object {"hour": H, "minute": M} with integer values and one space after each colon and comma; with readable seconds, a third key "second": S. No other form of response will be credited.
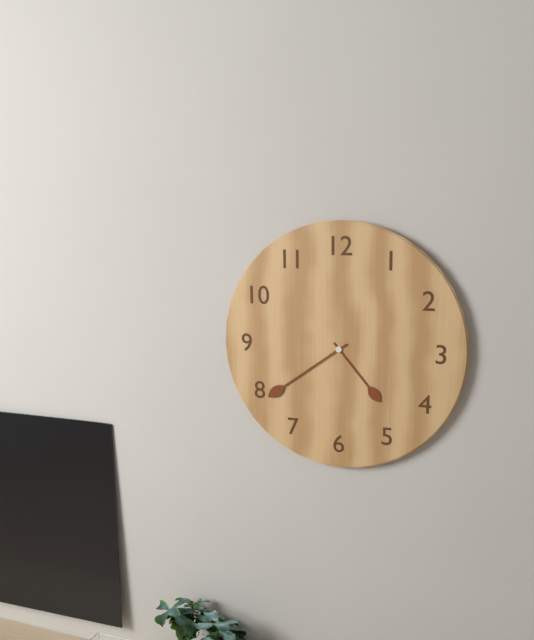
{"hour": 4, "minute": 39}
